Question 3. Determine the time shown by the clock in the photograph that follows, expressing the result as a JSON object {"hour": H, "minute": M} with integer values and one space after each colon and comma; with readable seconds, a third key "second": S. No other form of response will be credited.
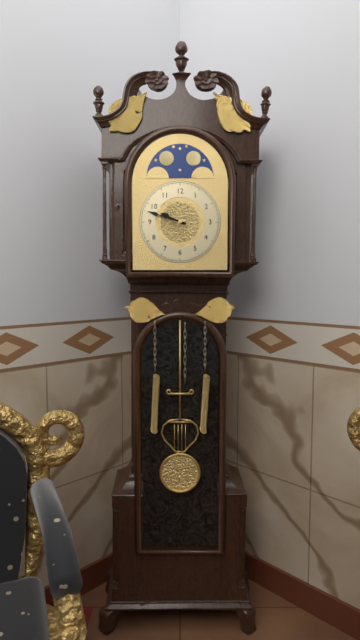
{"hour": 9, "minute": 48}
